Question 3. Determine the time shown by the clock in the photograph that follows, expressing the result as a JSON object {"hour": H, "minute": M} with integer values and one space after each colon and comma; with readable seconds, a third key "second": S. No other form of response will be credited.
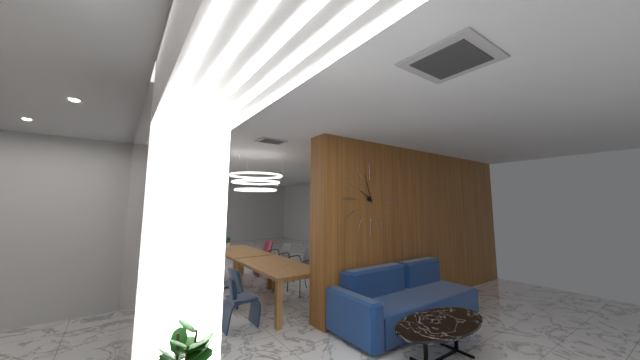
{"hour": 9, "minute": 57}
